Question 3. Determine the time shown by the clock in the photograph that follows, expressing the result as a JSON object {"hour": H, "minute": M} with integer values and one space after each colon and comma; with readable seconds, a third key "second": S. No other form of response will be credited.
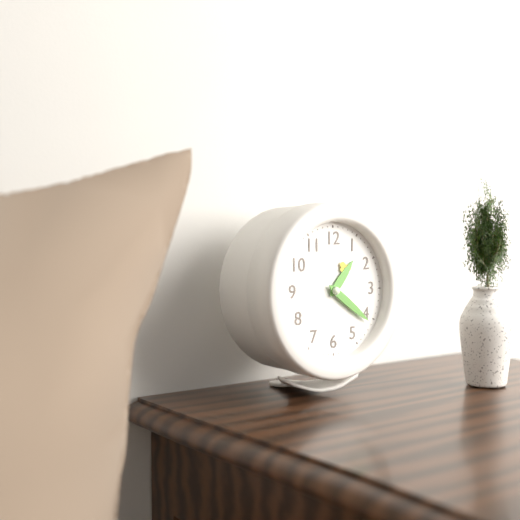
{"hour": 1, "minute": 21}
